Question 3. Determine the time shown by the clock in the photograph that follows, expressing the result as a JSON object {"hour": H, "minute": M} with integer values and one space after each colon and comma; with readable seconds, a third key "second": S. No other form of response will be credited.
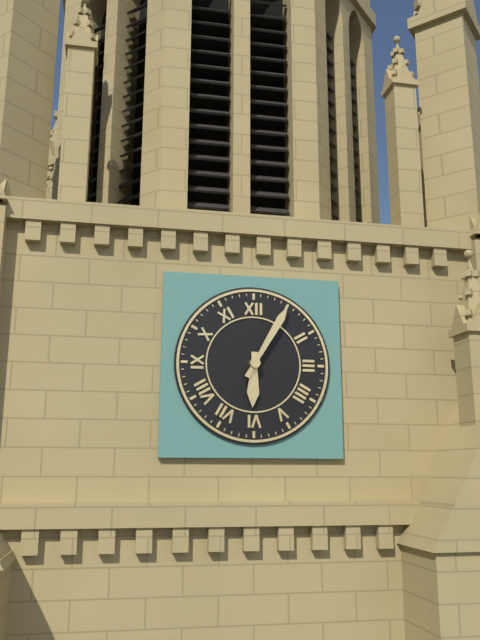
{"hour": 6, "minute": 5}
